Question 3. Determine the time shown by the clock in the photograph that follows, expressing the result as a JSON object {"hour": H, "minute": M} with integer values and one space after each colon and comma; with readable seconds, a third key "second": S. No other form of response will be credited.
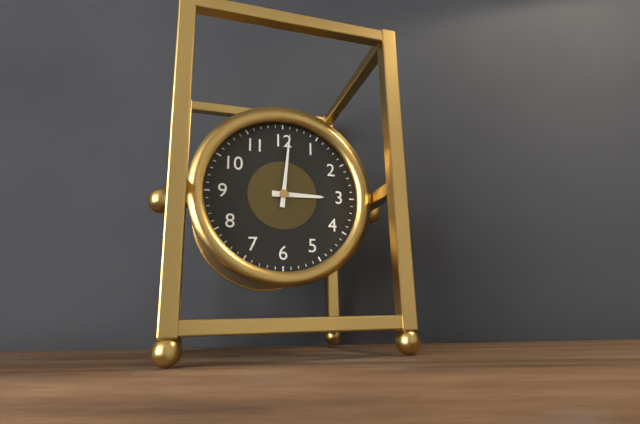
{"hour": 3, "minute": 1}
